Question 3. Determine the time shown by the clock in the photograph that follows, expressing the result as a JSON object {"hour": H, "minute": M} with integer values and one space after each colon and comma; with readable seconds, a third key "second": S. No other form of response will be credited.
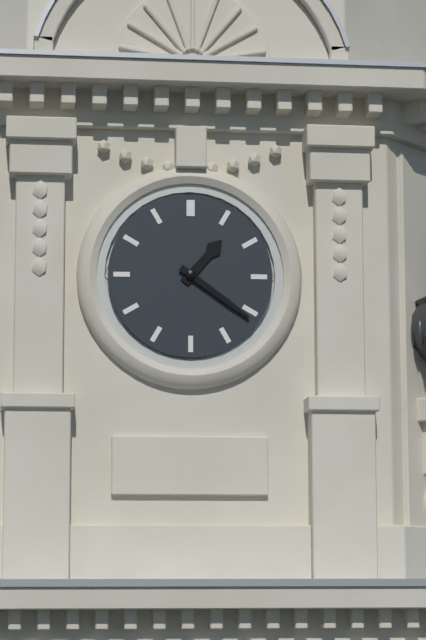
{"hour": 1, "minute": 21}
